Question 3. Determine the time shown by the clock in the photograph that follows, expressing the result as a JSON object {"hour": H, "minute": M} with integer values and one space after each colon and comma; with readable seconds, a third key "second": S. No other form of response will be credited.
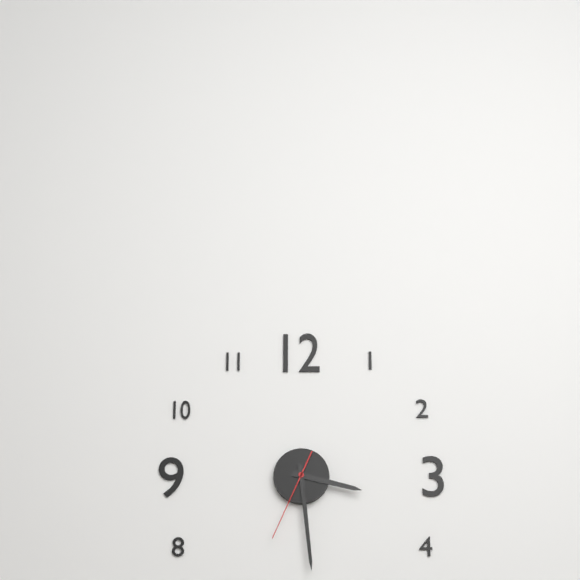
{"hour": 3, "minute": 29, "second": 34}
